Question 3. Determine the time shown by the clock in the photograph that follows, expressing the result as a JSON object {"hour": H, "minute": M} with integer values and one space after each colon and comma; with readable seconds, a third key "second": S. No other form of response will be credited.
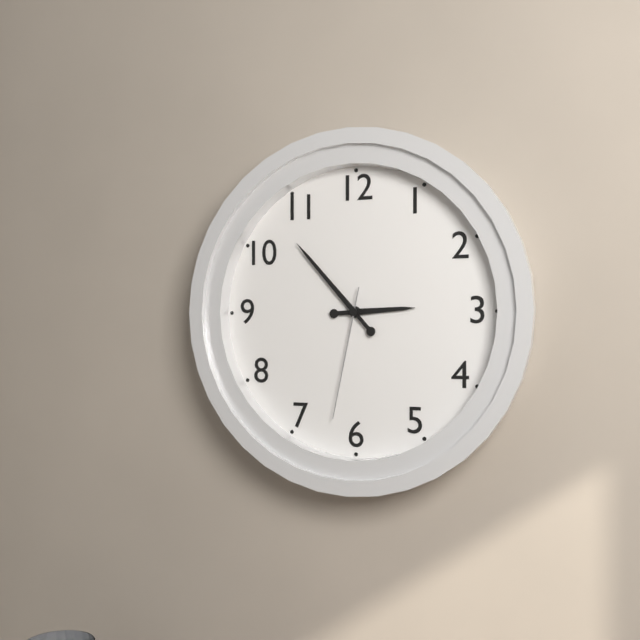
{"hour": 2, "minute": 53, "second": 32}
